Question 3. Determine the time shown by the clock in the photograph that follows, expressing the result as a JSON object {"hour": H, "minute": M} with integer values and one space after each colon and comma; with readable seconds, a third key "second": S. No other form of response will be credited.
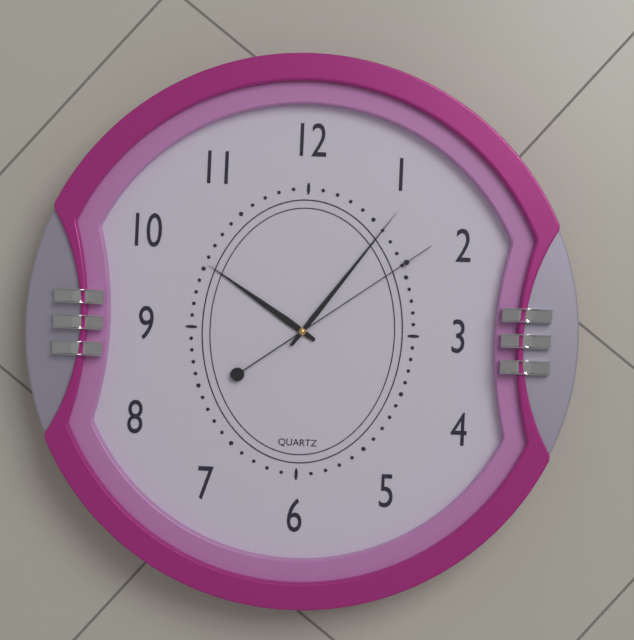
{"hour": 10, "minute": 6, "second": 9}
